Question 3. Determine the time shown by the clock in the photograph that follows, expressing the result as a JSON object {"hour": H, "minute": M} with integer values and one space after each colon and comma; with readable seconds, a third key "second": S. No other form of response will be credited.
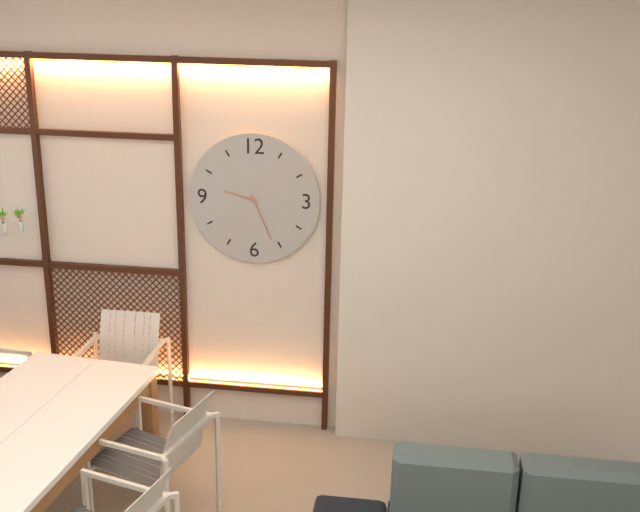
{"hour": 9, "minute": 26}
